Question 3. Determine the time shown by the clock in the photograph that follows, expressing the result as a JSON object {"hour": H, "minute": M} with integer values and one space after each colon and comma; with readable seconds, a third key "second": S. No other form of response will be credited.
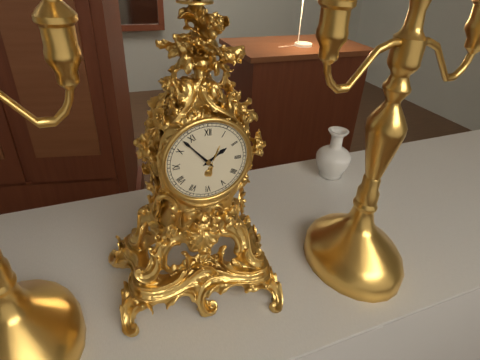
{"hour": 1, "minute": 53}
